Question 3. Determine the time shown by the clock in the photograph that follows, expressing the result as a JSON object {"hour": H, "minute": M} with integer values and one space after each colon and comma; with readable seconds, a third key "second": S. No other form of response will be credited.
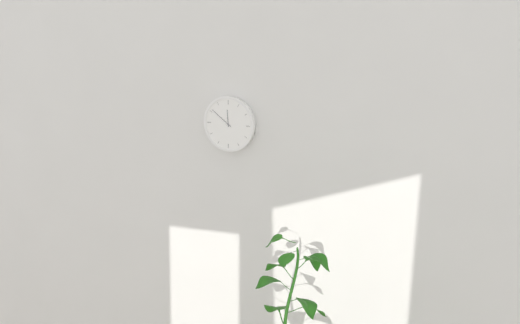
{"hour": 11, "minute": 51}
